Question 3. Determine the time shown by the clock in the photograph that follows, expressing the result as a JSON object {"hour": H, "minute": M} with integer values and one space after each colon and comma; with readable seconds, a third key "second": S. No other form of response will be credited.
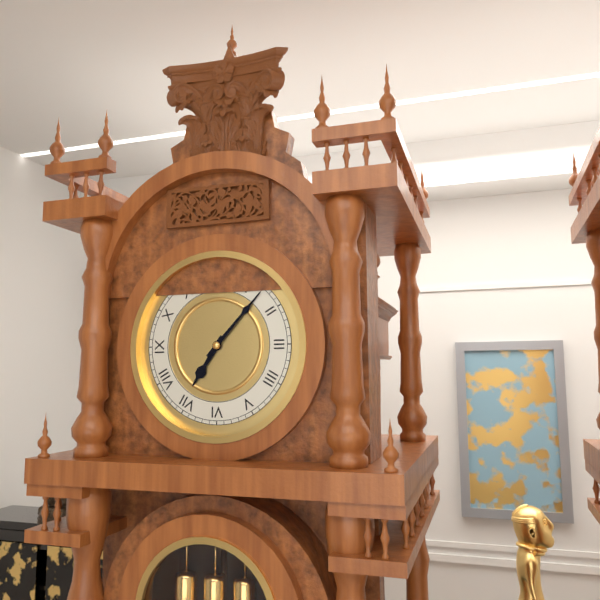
{"hour": 7, "minute": 7}
